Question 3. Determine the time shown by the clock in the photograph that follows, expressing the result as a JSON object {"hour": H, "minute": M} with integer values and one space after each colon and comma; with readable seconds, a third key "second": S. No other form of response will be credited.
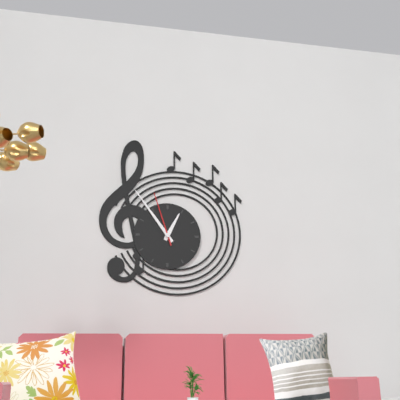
{"hour": 12, "minute": 54, "second": 57}
